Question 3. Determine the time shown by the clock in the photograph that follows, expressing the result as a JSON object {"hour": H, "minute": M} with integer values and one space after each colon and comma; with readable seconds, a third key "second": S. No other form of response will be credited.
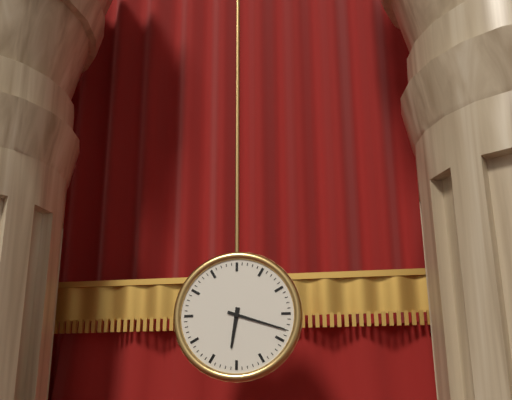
{"hour": 6, "minute": 18}
